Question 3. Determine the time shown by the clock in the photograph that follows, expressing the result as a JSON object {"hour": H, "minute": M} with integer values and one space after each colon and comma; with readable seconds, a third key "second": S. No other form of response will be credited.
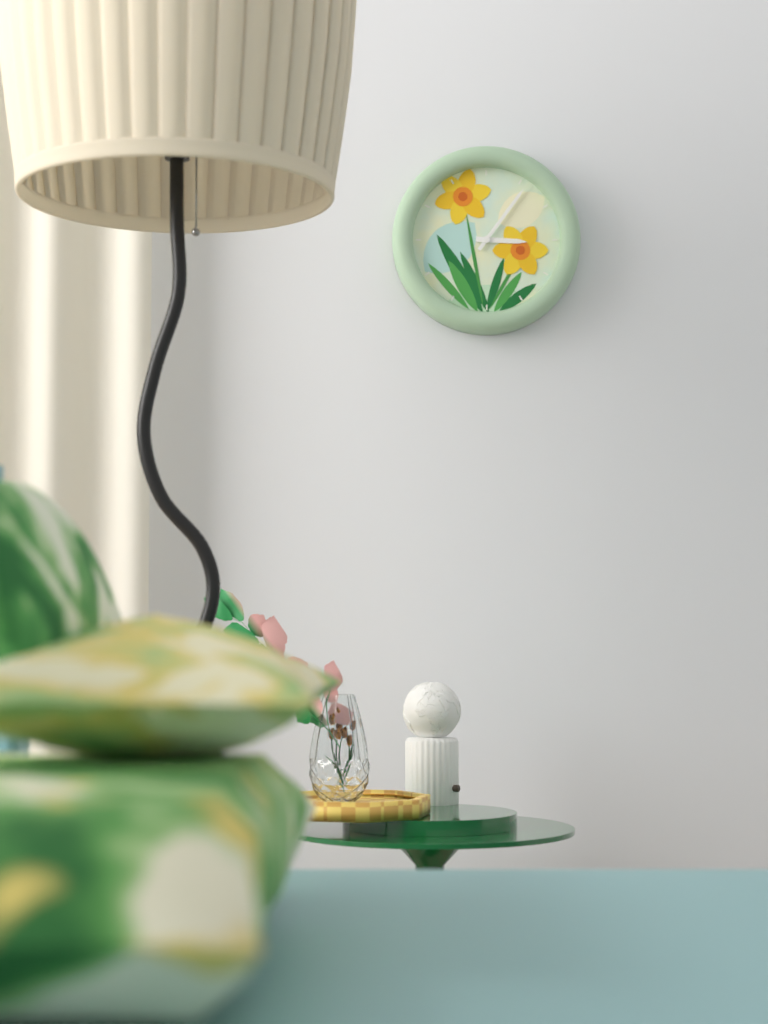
{"hour": 3, "minute": 6}
